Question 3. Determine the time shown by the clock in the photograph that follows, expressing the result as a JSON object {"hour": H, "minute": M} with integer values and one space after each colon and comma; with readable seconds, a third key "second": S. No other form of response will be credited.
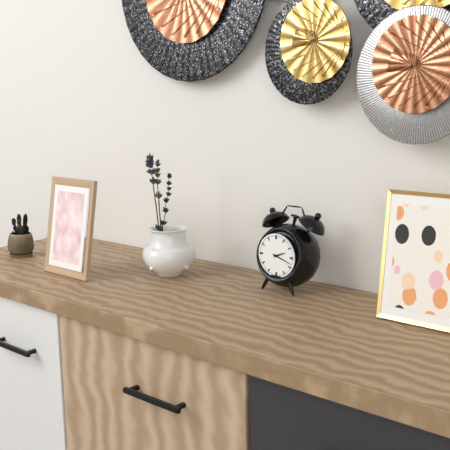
{"hour": 2, "minute": 18}
